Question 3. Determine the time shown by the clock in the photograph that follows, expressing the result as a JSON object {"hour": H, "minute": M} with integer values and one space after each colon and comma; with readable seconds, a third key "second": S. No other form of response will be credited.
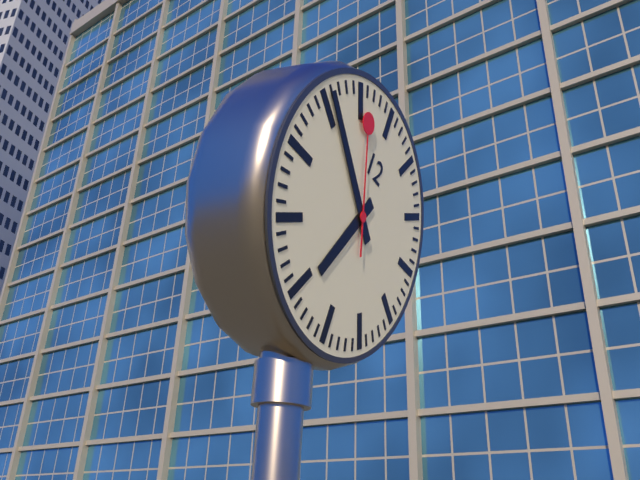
{"hour": 6, "minute": 51, "second": 56}
